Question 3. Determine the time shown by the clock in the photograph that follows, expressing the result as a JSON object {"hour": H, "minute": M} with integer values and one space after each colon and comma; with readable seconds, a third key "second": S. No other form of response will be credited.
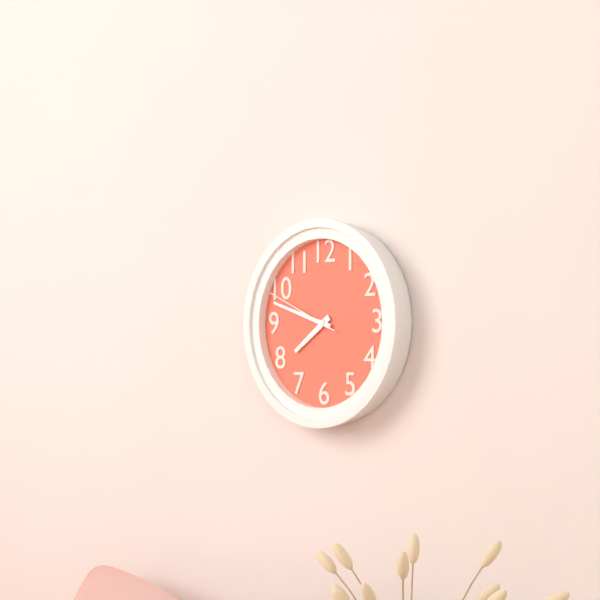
{"hour": 7, "minute": 48, "second": 49}
